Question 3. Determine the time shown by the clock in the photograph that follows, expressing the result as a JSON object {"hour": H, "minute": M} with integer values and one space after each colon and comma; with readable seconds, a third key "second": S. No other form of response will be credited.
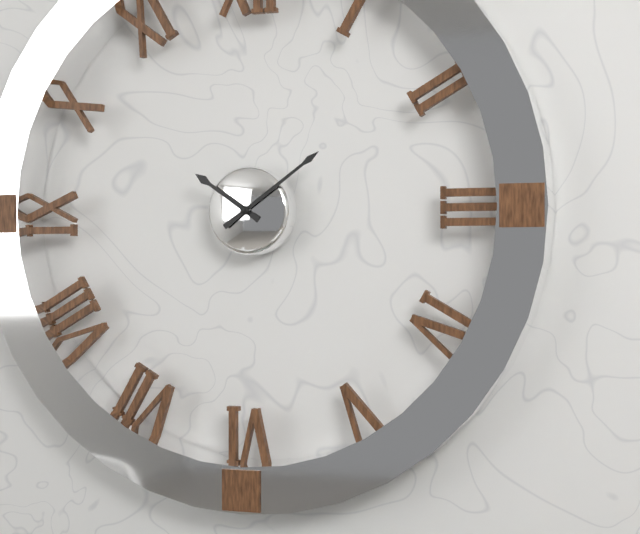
{"hour": 10, "minute": 9}
